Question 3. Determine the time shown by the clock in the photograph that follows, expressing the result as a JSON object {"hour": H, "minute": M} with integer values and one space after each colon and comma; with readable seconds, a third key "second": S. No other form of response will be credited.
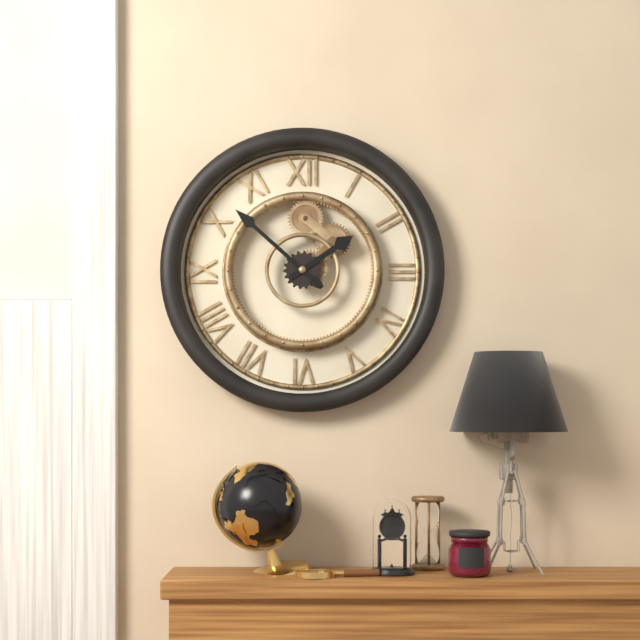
{"hour": 1, "minute": 52}
